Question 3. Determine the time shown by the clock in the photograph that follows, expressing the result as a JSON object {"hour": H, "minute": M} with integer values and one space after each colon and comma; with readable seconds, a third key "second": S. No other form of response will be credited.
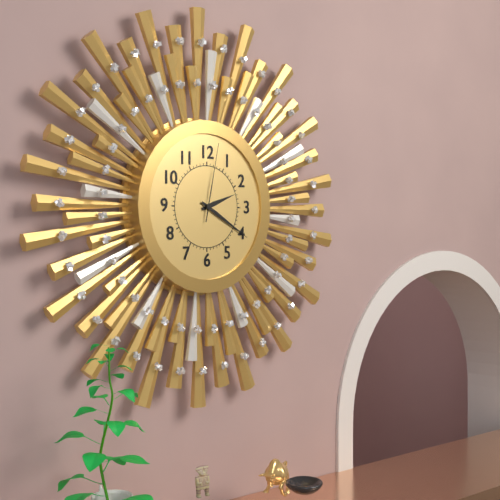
{"hour": 2, "minute": 20, "second": 2}
